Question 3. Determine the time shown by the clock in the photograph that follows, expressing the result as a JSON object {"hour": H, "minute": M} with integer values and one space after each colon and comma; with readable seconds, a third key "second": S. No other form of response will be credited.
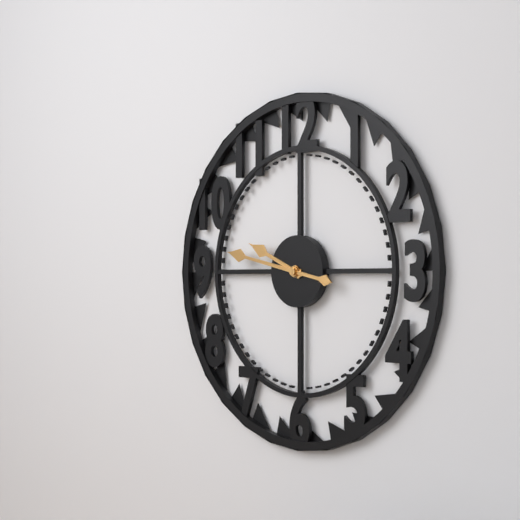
{"hour": 9, "minute": 47}
